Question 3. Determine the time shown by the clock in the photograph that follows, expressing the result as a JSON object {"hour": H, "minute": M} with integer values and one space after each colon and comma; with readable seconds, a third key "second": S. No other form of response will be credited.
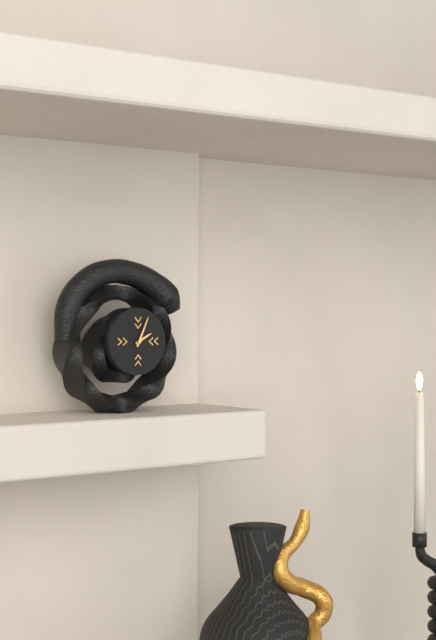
{"hour": 2, "minute": 4}
